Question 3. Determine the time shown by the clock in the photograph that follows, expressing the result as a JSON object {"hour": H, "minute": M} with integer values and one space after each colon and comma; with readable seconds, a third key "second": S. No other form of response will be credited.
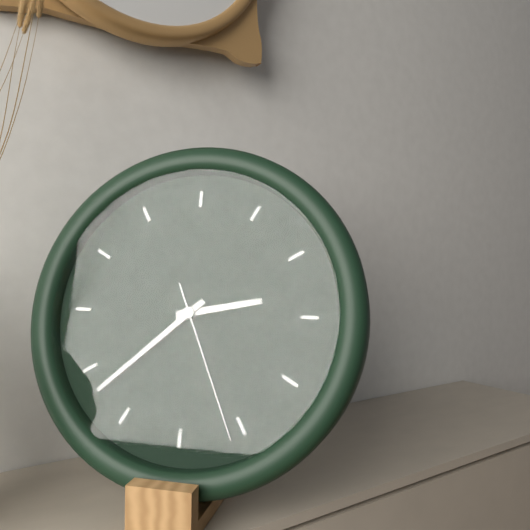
{"hour": 2, "minute": 38, "second": 26}
